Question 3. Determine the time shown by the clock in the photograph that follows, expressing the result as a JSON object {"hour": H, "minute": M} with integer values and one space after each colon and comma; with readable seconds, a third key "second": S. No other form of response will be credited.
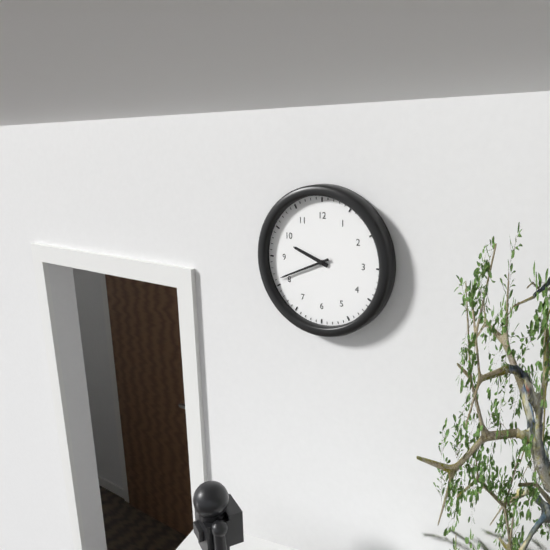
{"hour": 9, "minute": 41}
